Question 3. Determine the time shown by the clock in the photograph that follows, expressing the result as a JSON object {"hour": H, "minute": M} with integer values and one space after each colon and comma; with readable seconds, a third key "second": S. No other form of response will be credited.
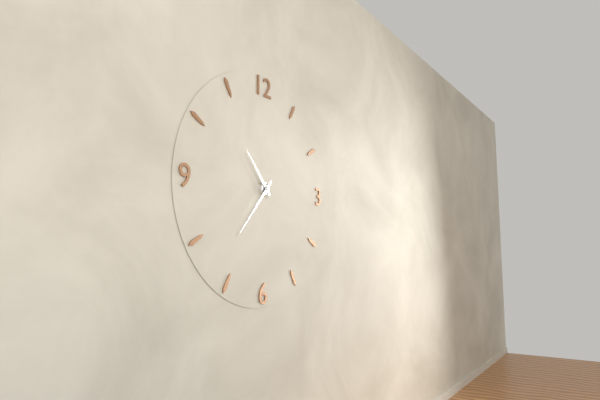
{"hour": 10, "minute": 37}
